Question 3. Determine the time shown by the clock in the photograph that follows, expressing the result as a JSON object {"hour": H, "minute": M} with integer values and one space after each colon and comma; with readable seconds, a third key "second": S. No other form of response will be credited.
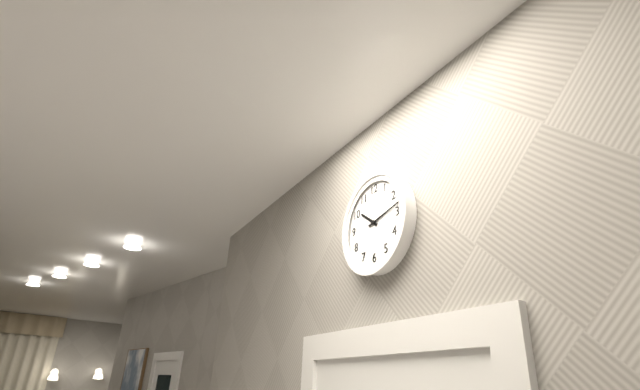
{"hour": 10, "minute": 13}
